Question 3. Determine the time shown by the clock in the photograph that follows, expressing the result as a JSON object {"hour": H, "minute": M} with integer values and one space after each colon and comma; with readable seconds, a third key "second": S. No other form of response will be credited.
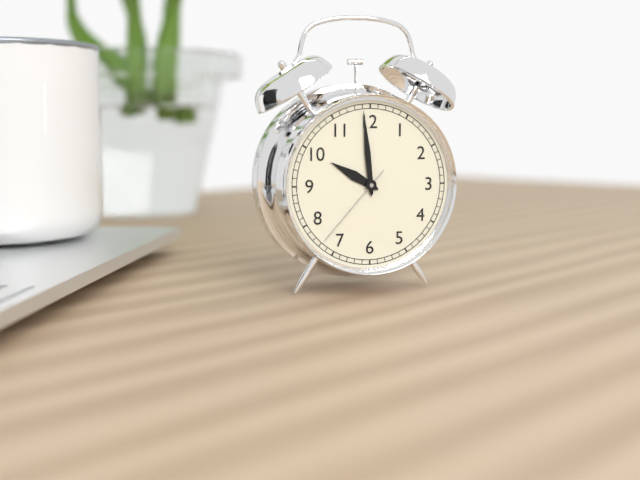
{"hour": 9, "minute": 59, "second": 37}
